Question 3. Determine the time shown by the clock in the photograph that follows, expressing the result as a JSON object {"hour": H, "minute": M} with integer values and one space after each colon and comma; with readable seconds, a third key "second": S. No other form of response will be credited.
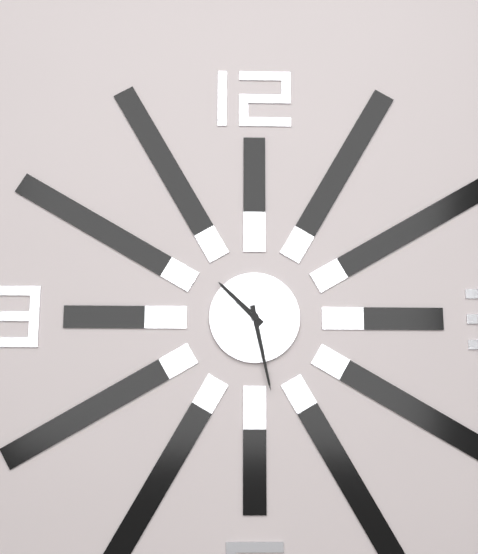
{"hour": 10, "minute": 28}
